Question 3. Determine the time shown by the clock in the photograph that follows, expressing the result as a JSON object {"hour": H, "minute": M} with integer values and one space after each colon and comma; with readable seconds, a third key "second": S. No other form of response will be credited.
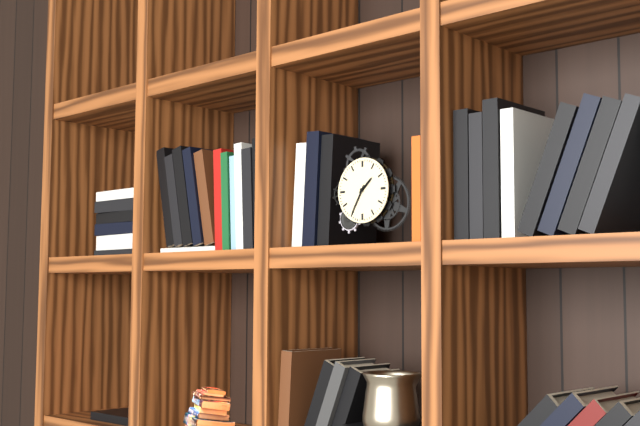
{"hour": 1, "minute": 35}
